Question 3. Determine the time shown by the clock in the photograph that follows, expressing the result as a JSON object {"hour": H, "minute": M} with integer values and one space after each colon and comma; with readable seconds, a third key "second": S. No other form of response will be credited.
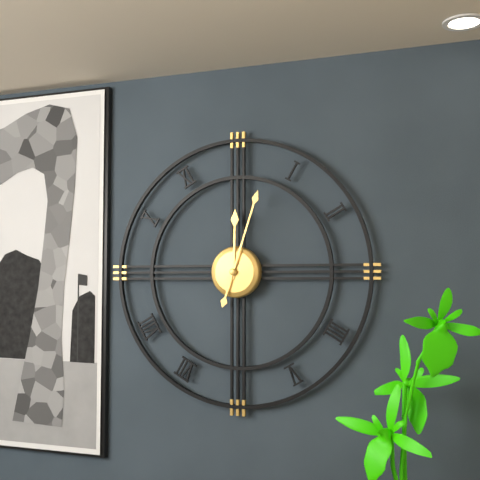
{"hour": 12, "minute": 3}
